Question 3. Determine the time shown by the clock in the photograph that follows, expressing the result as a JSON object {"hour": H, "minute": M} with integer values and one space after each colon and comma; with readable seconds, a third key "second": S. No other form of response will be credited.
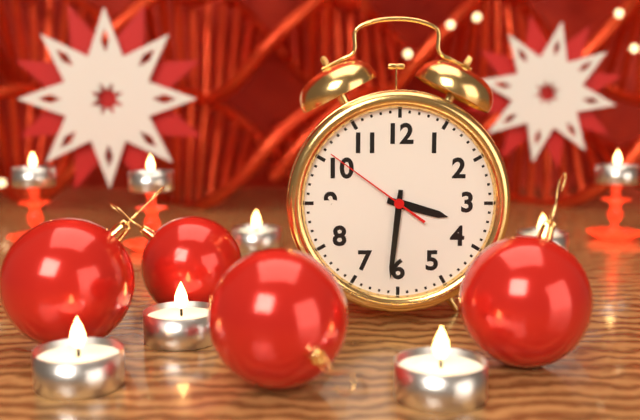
{"hour": 3, "minute": 31, "second": 51}
